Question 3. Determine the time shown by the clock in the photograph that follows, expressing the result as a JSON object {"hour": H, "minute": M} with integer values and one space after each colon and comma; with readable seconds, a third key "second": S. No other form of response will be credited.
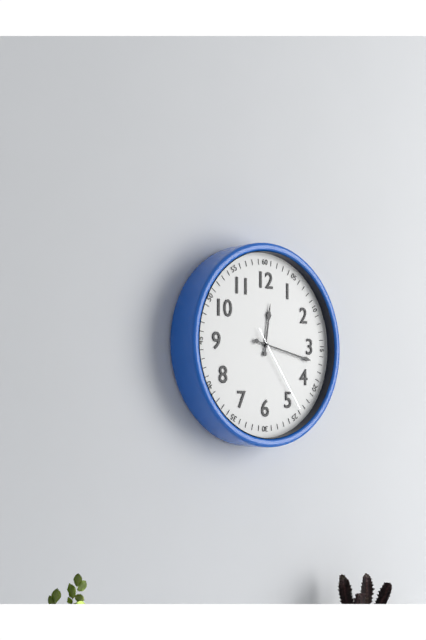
{"hour": 12, "minute": 17, "second": 24}
